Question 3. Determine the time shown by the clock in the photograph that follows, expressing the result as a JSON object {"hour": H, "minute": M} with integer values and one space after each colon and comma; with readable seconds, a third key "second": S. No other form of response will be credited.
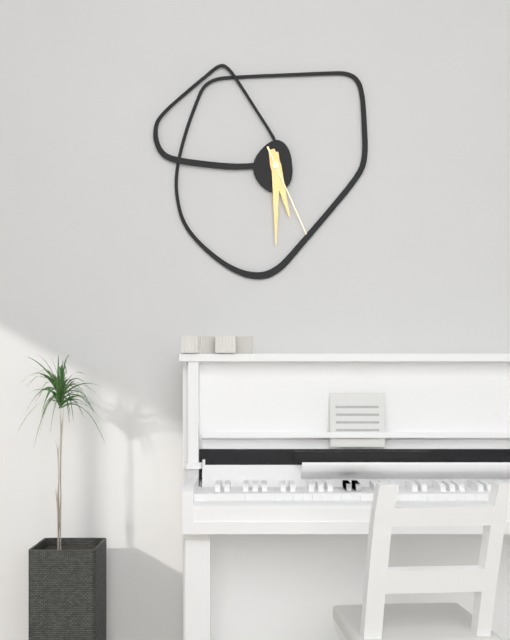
{"hour": 5, "minute": 30, "second": 26}
